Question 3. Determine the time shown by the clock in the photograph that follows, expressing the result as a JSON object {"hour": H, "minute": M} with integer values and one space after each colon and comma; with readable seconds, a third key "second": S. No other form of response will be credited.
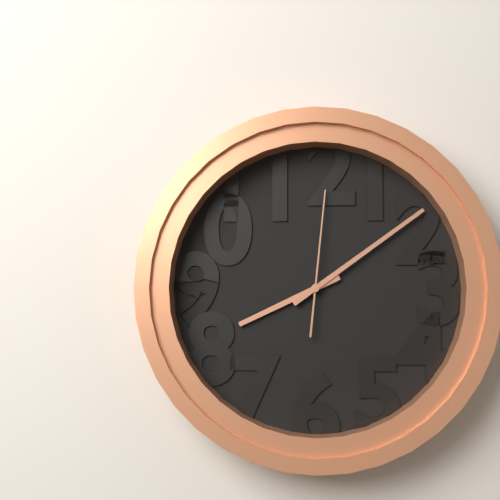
{"hour": 8, "minute": 9, "second": 1}
